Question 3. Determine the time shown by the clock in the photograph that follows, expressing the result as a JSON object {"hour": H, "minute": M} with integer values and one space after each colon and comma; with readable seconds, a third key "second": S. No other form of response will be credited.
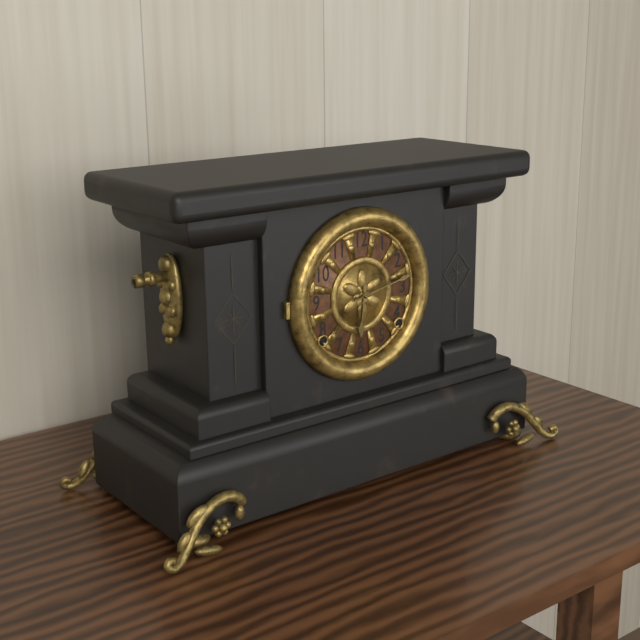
{"hour": 6, "minute": 13}
